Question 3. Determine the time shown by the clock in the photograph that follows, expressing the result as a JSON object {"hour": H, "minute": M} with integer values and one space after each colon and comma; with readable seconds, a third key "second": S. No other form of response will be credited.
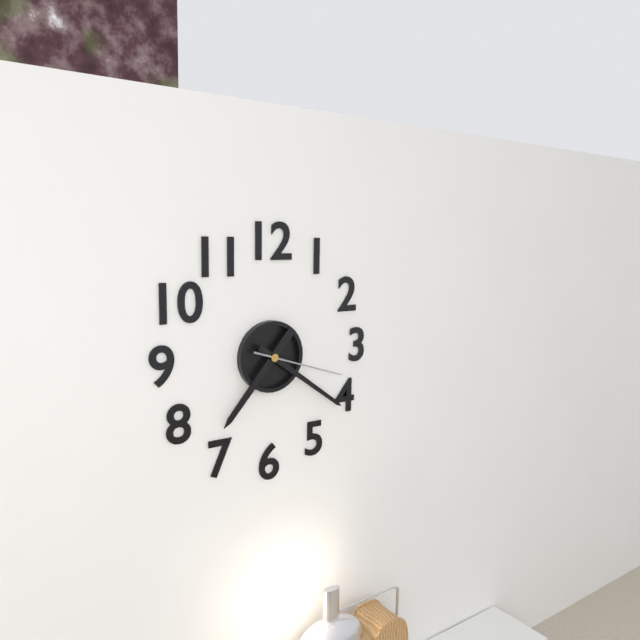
{"hour": 7, "minute": 21, "second": 18}
